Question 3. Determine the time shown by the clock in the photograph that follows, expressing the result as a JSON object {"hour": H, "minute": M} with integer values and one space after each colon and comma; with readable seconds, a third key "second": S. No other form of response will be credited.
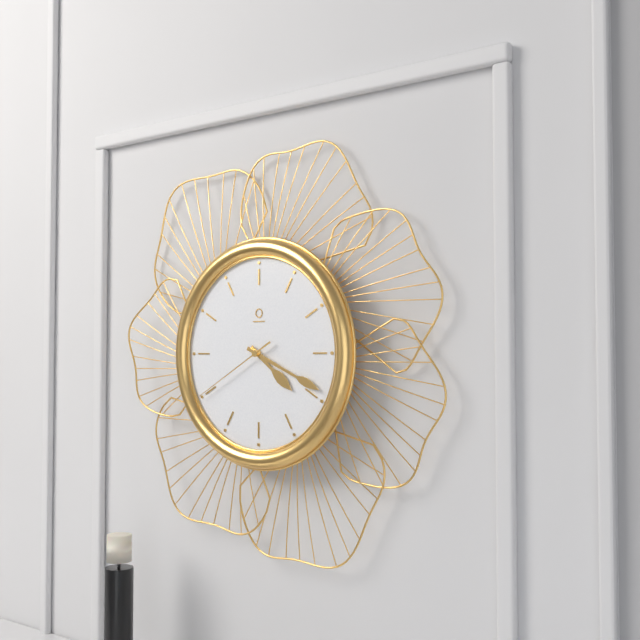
{"hour": 4, "minute": 19, "second": 40}
